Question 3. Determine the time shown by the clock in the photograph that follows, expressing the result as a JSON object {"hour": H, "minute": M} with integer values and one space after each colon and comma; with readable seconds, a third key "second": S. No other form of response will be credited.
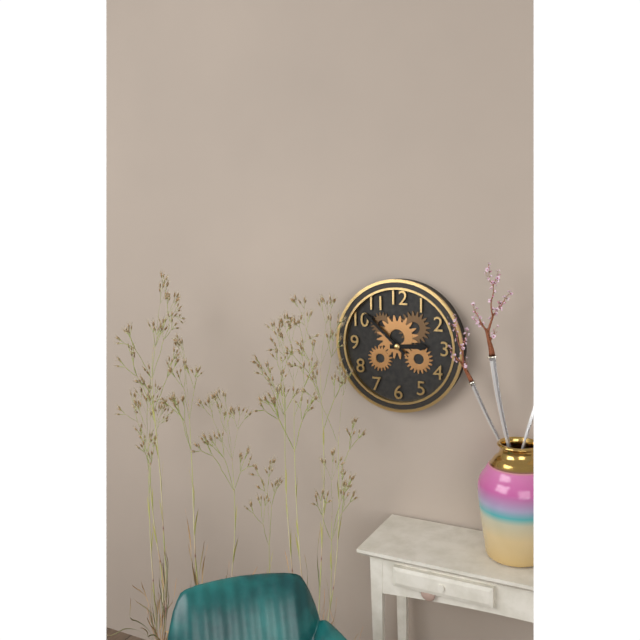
{"hour": 2, "minute": 52}
